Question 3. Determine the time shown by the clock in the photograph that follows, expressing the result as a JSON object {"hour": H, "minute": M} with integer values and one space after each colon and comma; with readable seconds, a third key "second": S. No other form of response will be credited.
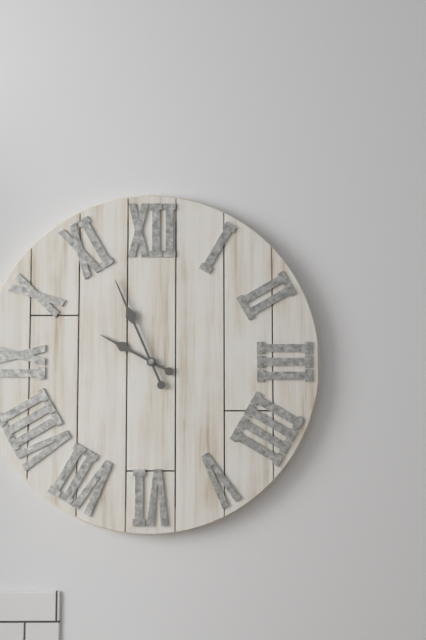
{"hour": 9, "minute": 56}
